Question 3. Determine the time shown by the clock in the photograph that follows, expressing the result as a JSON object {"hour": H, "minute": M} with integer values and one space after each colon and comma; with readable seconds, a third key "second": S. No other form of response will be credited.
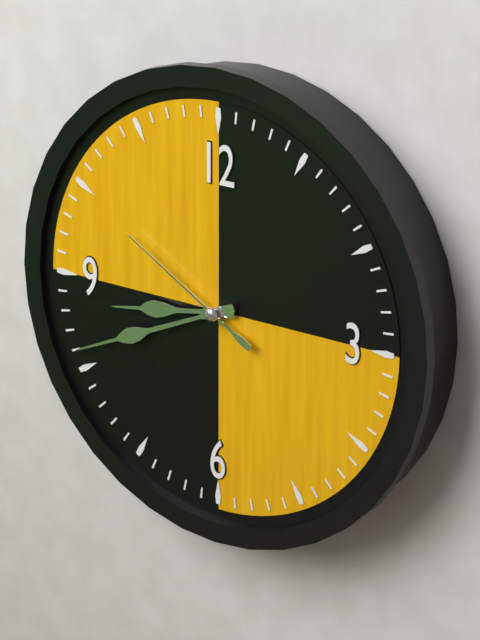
{"hour": 8, "minute": 41, "second": 50}
